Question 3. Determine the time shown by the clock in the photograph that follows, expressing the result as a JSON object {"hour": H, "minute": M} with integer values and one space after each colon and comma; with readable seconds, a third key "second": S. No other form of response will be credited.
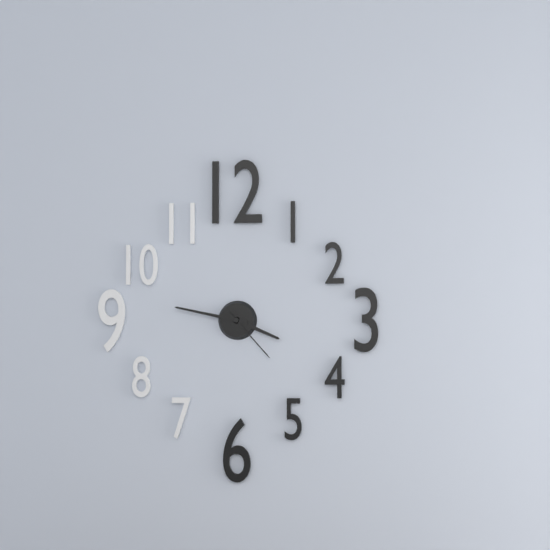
{"hour": 3, "minute": 47, "second": 23}
